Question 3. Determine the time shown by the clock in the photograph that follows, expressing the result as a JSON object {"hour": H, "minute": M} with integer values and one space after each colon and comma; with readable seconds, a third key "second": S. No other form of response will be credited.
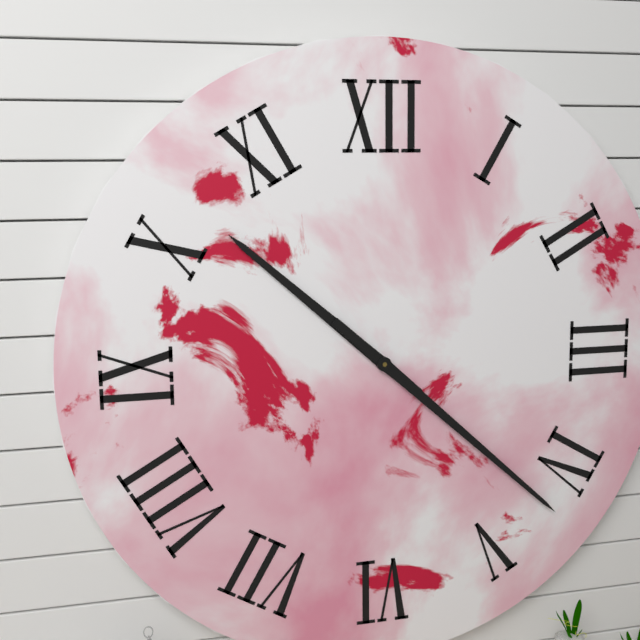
{"hour": 10, "minute": 22}
